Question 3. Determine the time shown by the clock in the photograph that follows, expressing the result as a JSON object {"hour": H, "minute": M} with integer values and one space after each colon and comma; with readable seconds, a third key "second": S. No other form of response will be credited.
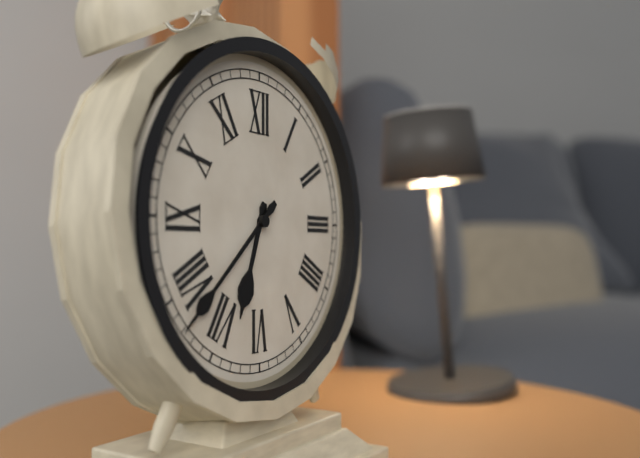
{"hour": 6, "minute": 38}
